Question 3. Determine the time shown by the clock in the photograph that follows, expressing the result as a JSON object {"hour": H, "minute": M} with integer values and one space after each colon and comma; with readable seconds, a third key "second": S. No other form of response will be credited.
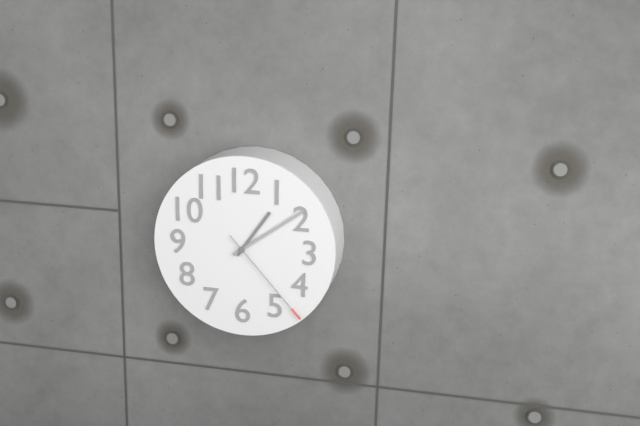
{"hour": 1, "minute": 9, "second": 23}
